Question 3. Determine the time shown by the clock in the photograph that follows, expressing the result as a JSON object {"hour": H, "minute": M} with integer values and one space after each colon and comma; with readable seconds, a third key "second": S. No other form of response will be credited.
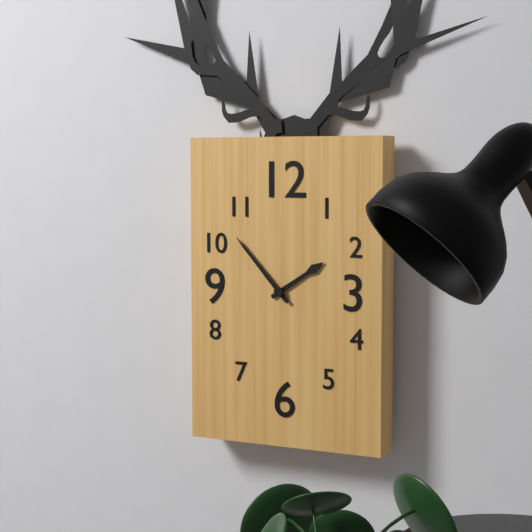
{"hour": 1, "minute": 53}
